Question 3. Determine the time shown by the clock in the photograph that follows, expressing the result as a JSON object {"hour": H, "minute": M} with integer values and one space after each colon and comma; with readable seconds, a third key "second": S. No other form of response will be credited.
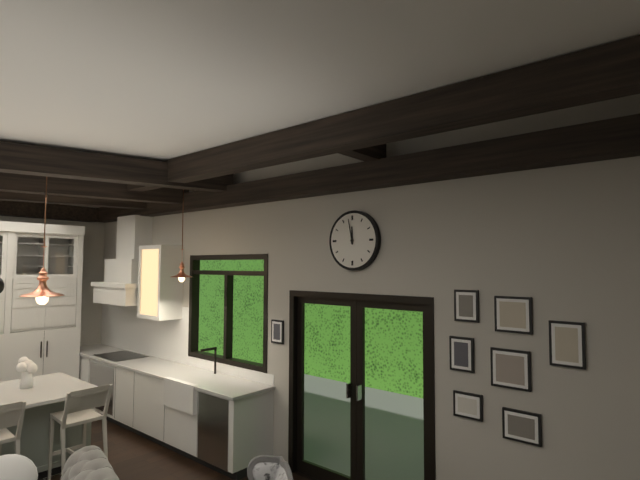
{"hour": 11, "minute": 58}
